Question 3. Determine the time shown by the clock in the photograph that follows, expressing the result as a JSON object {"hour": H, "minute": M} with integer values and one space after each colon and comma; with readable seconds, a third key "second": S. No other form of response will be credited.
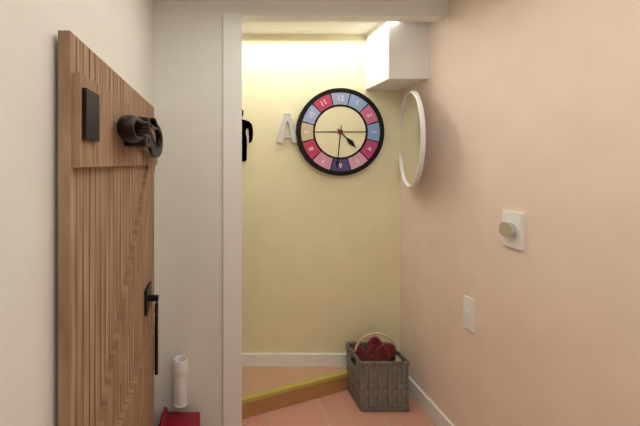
{"hour": 4, "minute": 31}
